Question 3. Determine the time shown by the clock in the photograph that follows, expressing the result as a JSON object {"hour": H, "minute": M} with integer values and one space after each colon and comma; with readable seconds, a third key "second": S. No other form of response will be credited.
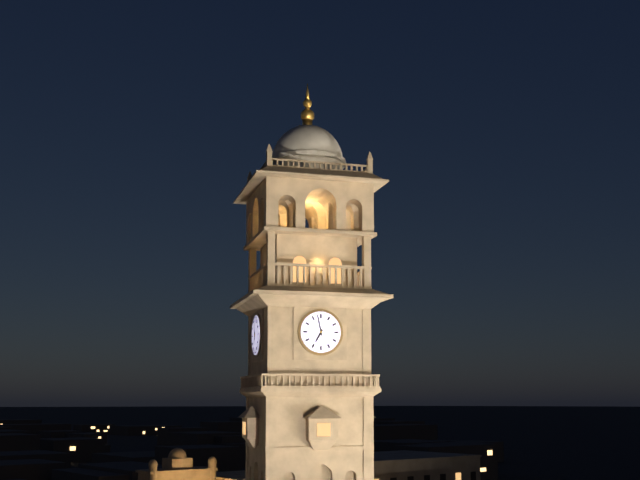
{"hour": 6, "minute": 58}
